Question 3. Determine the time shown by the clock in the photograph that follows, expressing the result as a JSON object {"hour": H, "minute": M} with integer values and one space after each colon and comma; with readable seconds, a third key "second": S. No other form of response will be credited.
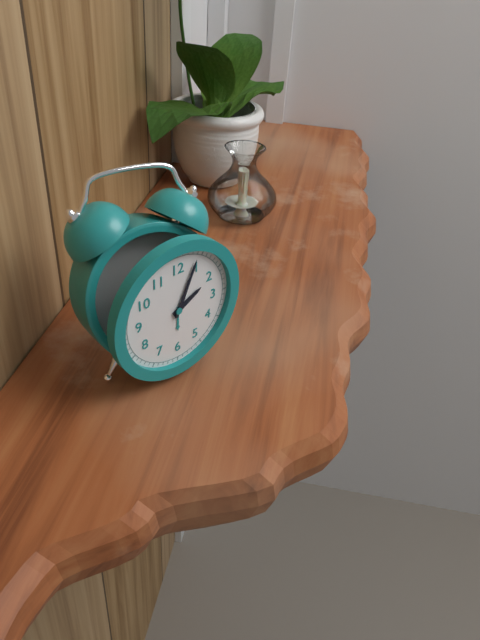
{"hour": 2, "minute": 4}
